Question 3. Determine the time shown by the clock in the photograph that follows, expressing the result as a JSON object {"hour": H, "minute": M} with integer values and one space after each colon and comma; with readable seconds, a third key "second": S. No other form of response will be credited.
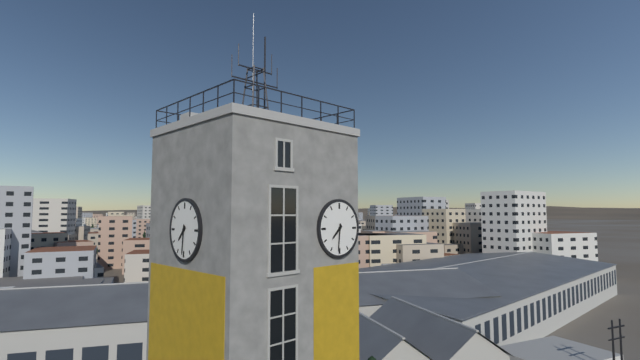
{"hour": 7, "minute": 31}
